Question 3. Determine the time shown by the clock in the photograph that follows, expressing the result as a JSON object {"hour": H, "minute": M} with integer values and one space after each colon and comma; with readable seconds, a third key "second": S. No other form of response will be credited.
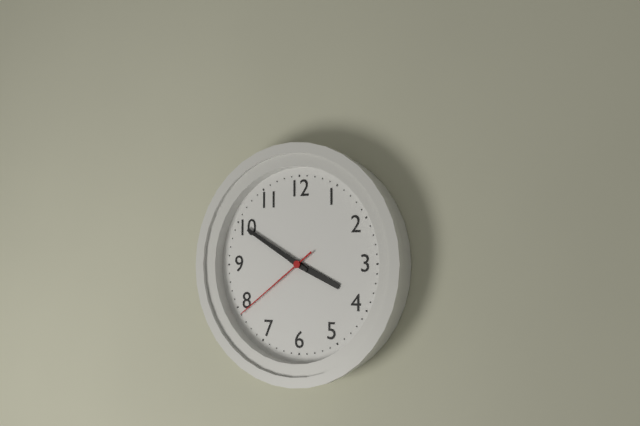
{"hour": 3, "minute": 50, "second": 39}
